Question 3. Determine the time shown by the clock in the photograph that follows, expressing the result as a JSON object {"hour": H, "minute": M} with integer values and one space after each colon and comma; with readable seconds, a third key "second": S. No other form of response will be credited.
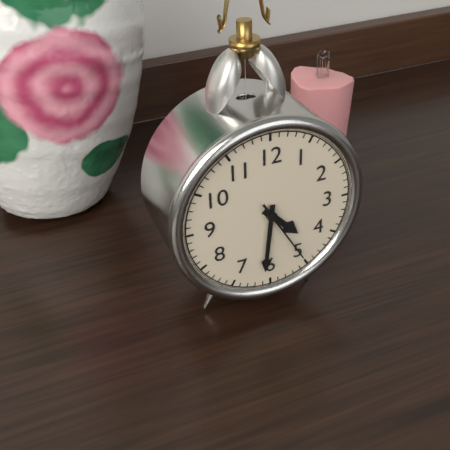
{"hour": 4, "minute": 31, "second": 25}
